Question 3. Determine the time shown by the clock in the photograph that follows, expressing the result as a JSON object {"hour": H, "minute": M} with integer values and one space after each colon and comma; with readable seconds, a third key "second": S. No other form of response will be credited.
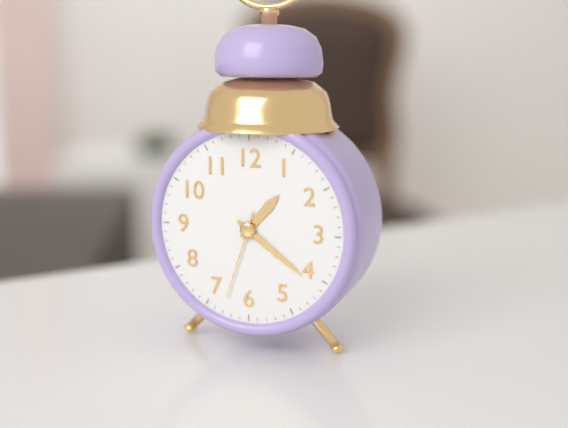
{"hour": 1, "minute": 21, "second": 33}
